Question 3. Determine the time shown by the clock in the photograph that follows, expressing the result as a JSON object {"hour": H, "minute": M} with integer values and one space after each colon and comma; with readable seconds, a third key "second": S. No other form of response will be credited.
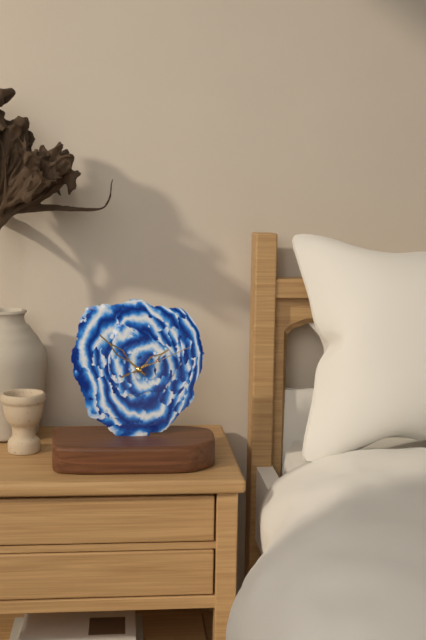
{"hour": 1, "minute": 52, "second": 11}
